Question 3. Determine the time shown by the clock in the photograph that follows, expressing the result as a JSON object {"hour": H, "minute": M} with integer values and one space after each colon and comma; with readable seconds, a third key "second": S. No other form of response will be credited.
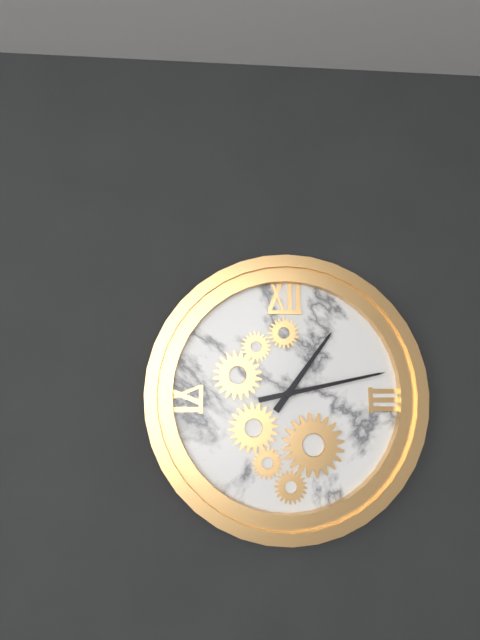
{"hour": 1, "minute": 13}
